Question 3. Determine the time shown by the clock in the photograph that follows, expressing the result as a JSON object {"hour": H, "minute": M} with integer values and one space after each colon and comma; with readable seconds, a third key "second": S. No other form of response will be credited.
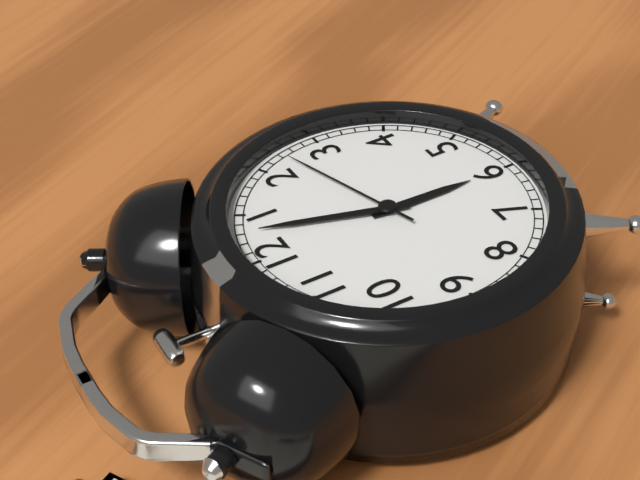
{"hour": 6, "minute": 3, "second": 12}
